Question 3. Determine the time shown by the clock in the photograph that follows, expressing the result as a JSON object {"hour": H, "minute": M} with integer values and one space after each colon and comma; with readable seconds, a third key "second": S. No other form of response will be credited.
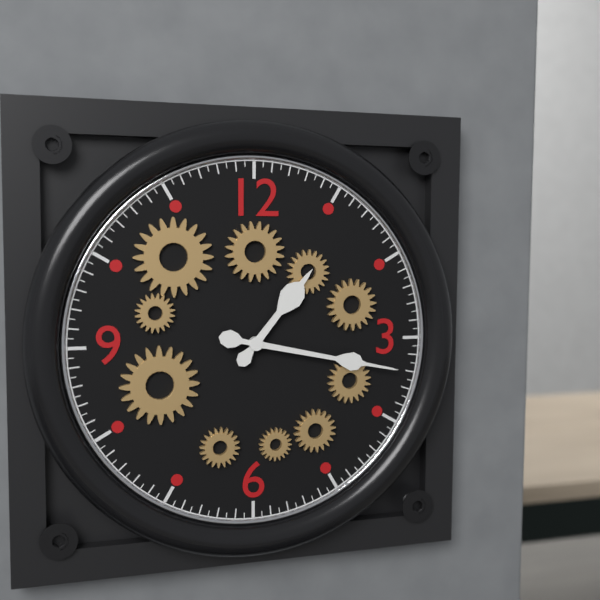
{"hour": 1, "minute": 17}
